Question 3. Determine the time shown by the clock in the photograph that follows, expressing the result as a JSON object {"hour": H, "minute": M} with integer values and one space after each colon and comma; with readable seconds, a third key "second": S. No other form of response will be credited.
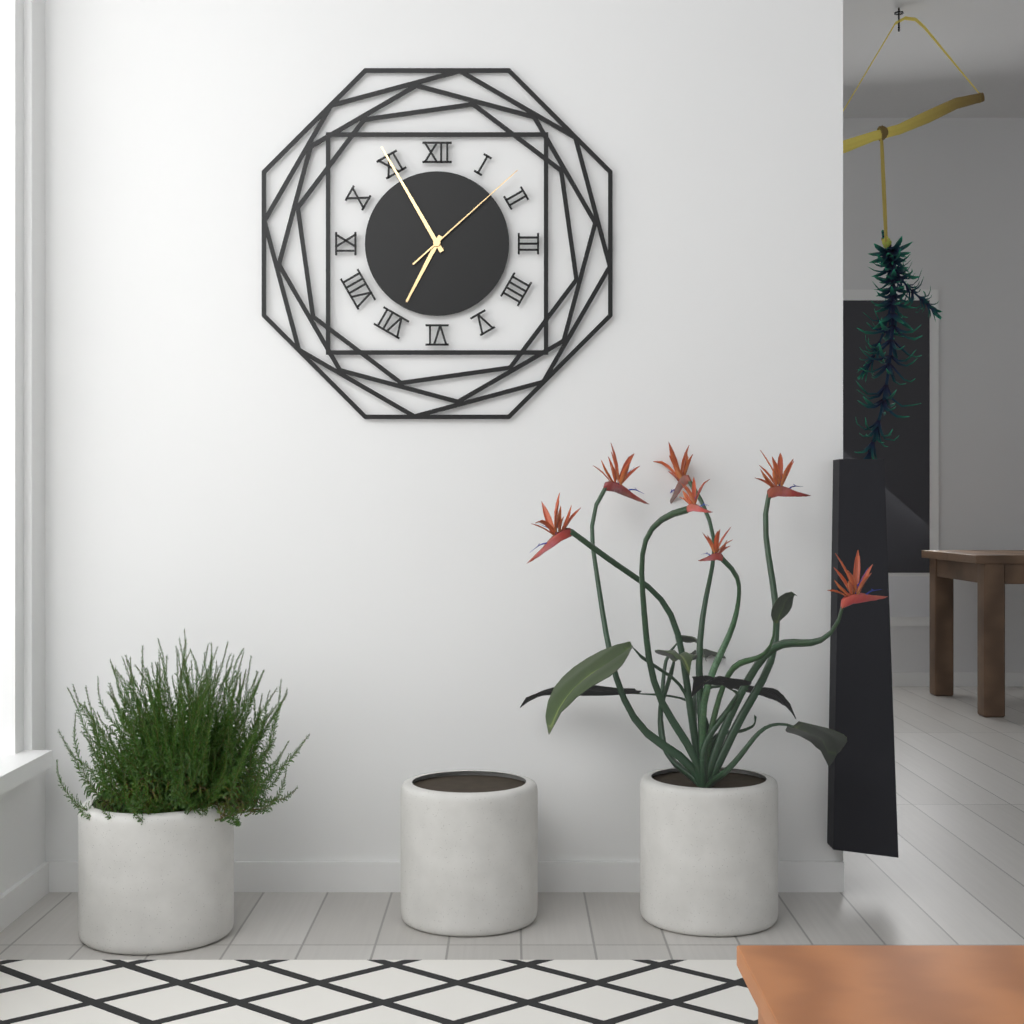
{"hour": 6, "minute": 55, "second": 8}
